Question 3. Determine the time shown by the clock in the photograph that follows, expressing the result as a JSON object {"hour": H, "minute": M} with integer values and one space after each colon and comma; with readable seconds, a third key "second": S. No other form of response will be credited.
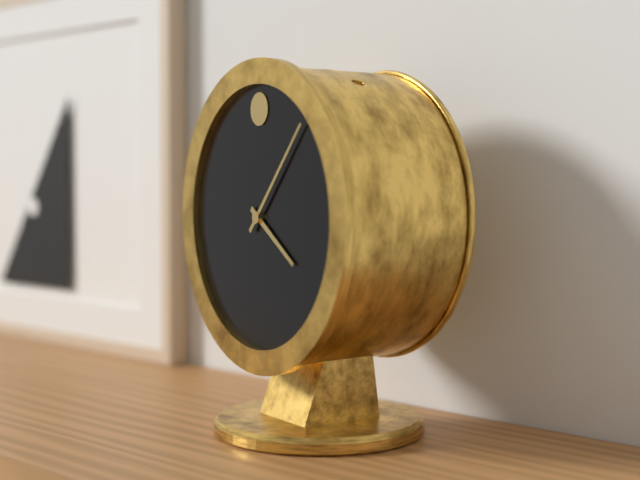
{"hour": 4, "minute": 7}
